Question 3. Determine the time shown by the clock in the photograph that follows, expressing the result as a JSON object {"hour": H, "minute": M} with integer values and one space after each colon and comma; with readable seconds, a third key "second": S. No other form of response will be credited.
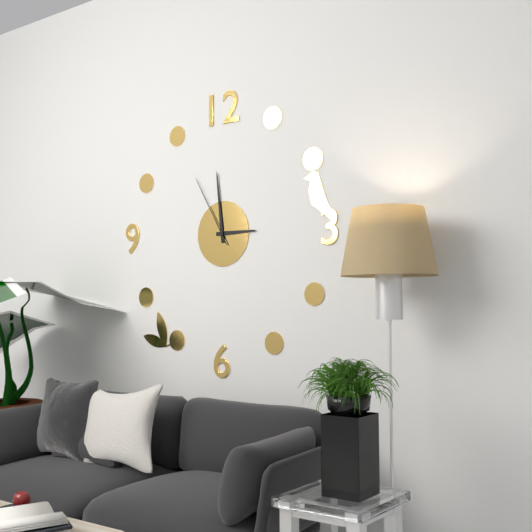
{"hour": 2, "minute": 59, "second": 55}
